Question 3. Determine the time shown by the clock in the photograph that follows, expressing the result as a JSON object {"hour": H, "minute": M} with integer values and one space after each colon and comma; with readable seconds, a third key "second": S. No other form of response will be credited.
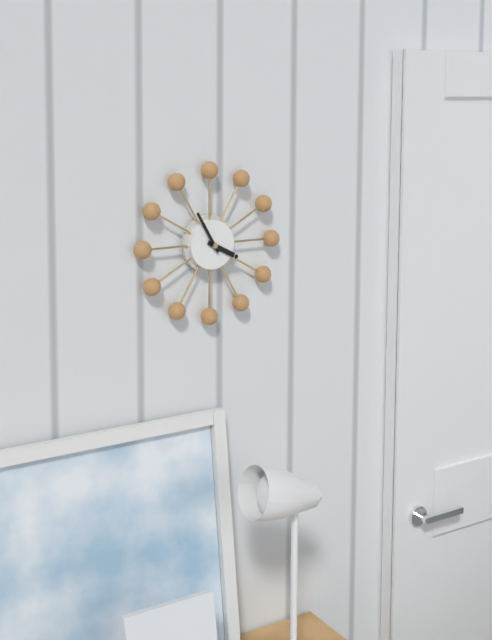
{"hour": 3, "minute": 55}
